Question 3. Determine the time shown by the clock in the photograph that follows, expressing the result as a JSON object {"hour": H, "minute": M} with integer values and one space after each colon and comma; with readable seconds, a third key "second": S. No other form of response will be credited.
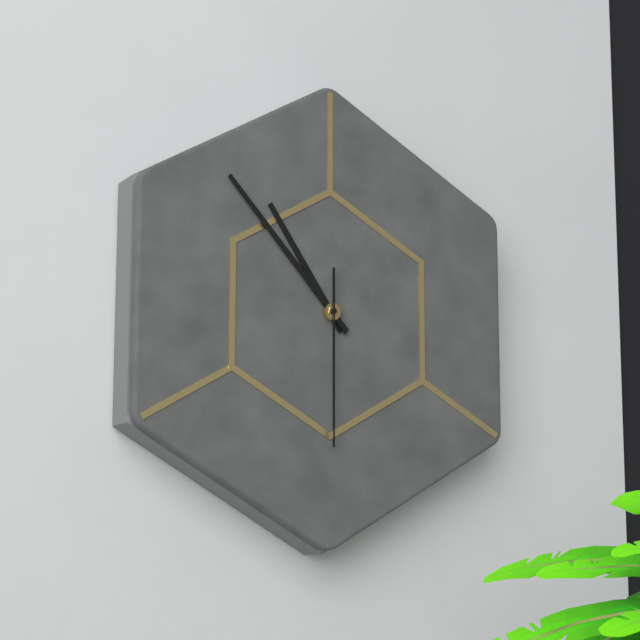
{"hour": 10, "minute": 53, "second": 30}
